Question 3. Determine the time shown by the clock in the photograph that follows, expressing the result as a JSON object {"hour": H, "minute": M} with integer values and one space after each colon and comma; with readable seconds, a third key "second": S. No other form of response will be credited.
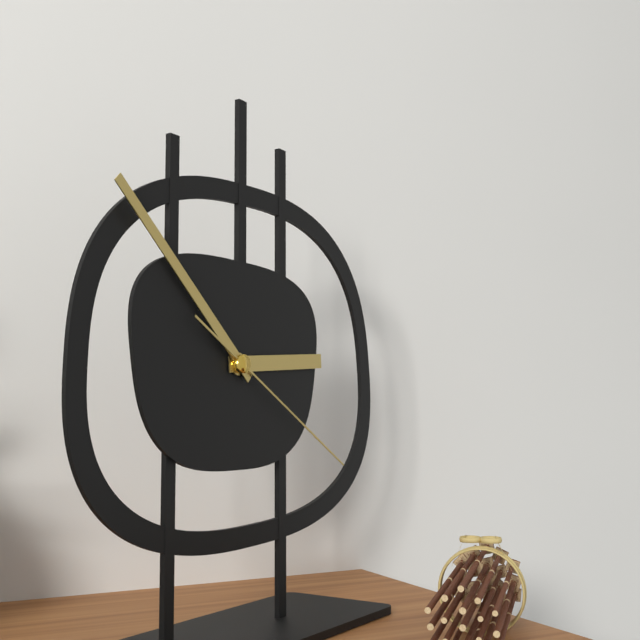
{"hour": 2, "minute": 52, "second": 20}
